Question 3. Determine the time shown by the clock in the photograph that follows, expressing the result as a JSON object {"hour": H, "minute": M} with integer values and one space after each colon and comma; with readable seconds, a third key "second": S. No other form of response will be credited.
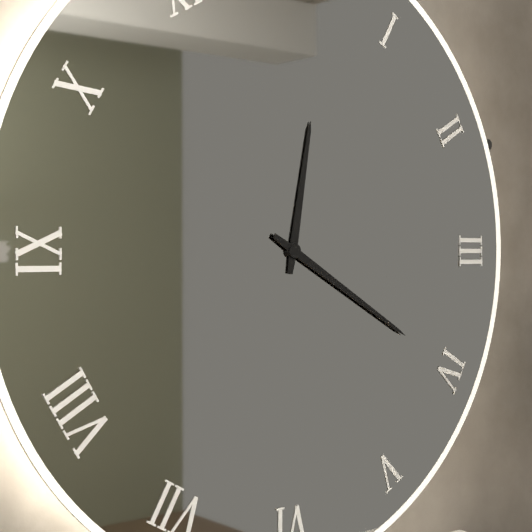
{"hour": 12, "minute": 20}
